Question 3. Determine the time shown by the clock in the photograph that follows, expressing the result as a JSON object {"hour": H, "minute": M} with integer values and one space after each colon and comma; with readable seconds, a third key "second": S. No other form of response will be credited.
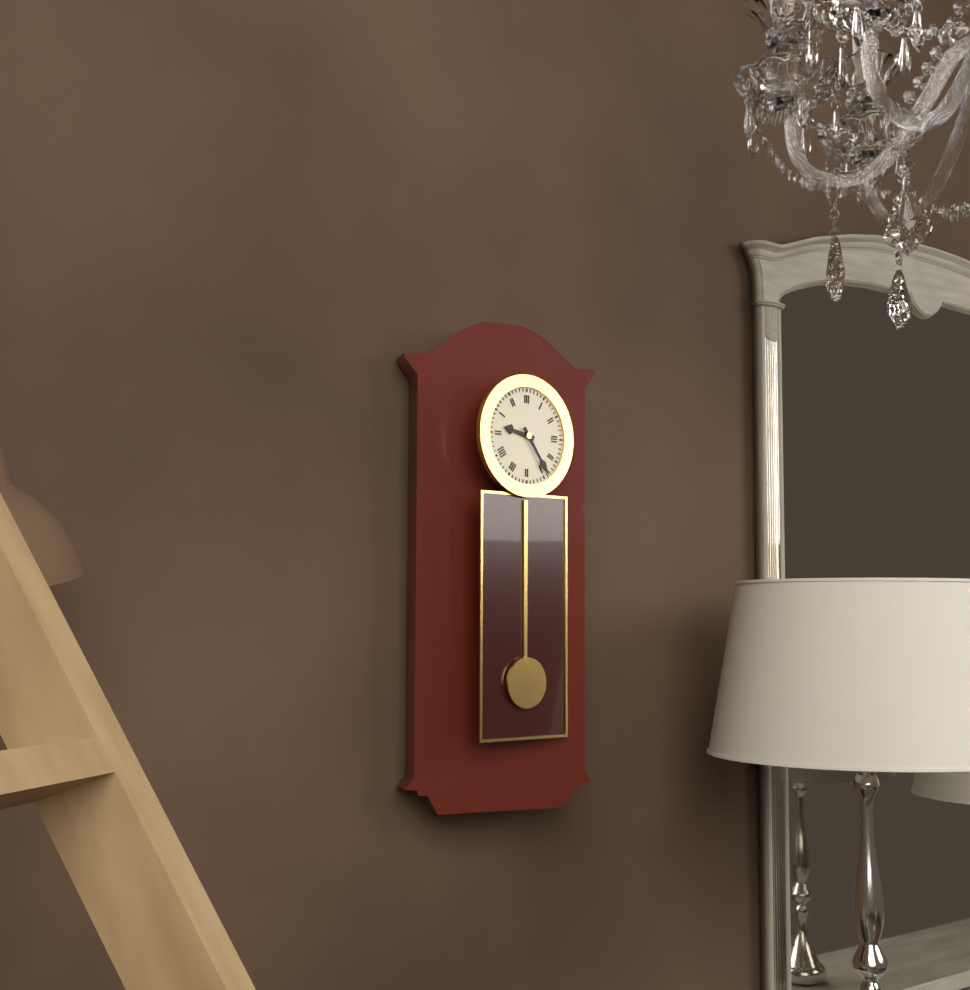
{"hour": 9, "minute": 24}
